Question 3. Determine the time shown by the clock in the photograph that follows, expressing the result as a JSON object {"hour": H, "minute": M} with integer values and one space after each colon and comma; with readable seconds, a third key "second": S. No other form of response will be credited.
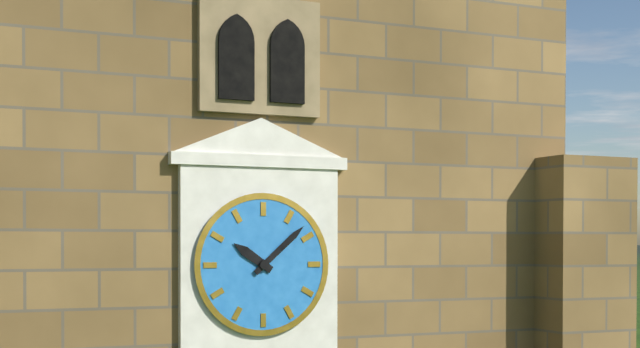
{"hour": 10, "minute": 8}
